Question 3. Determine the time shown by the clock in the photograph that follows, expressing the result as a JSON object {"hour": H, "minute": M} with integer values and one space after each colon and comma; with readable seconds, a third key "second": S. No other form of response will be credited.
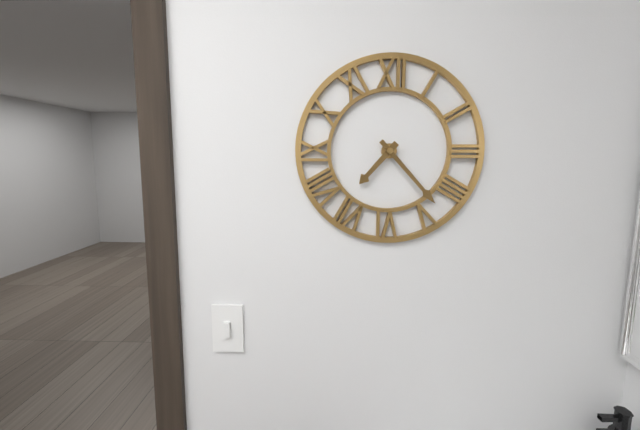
{"hour": 7, "minute": 23}
